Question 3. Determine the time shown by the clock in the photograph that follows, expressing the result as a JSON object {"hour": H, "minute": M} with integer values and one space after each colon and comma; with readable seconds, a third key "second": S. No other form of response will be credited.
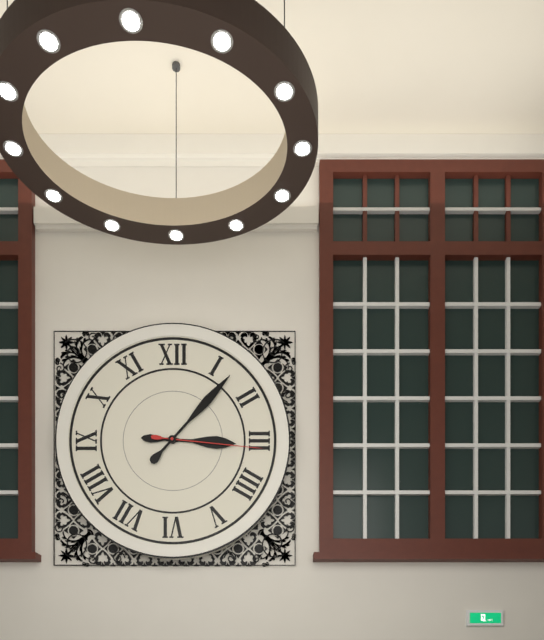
{"hour": 3, "minute": 7, "second": 16}
